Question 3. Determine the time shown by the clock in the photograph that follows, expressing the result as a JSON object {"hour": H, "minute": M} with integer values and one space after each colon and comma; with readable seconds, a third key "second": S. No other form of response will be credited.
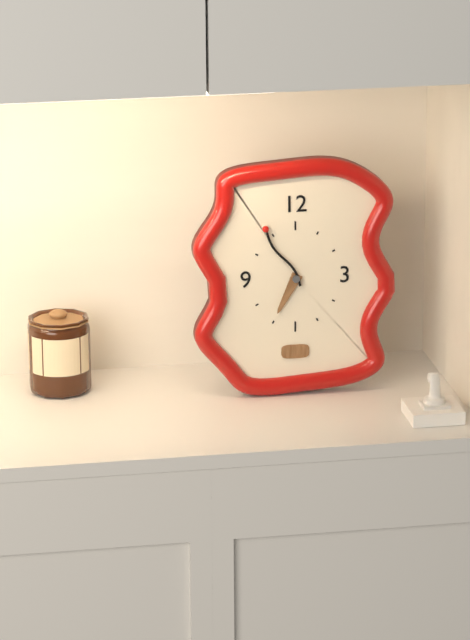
{"hour": 6, "minute": 55}
